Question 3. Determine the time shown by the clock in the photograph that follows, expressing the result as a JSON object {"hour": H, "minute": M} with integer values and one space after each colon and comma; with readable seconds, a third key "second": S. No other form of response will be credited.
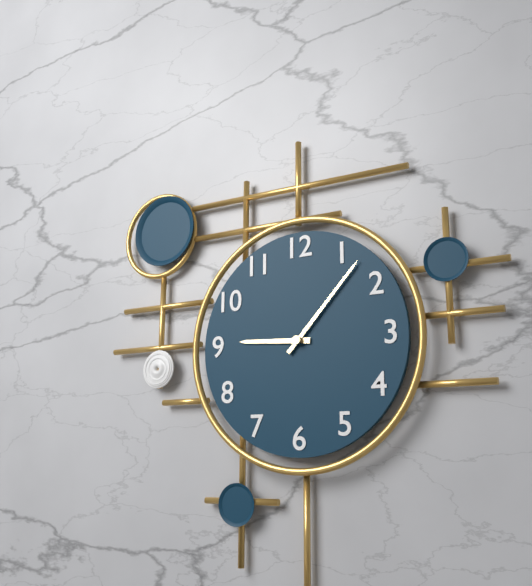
{"hour": 9, "minute": 7}
